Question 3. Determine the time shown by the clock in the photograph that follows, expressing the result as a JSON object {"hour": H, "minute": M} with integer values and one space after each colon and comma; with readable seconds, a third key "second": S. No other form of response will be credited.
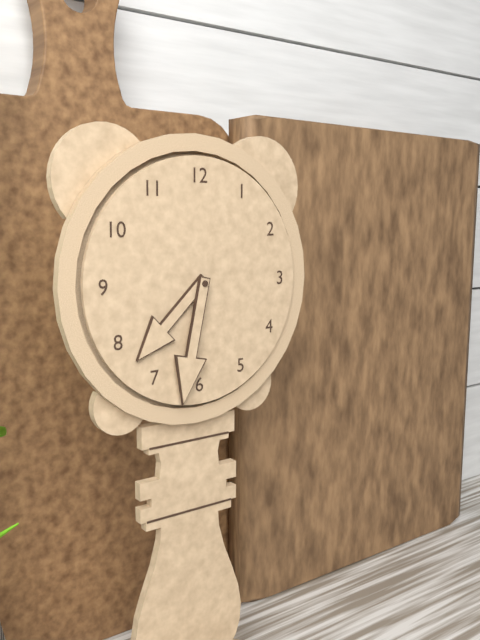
{"hour": 7, "minute": 32}
